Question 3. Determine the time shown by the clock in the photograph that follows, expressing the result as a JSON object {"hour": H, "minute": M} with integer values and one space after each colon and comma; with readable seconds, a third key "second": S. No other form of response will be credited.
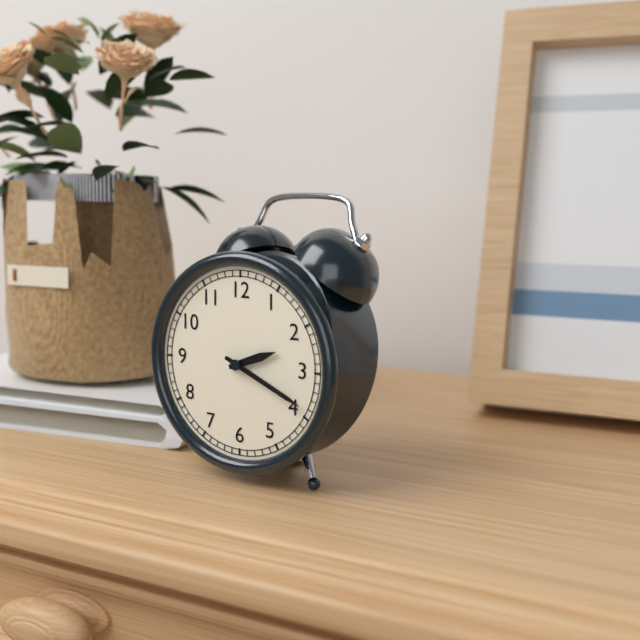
{"hour": 2, "minute": 19}
